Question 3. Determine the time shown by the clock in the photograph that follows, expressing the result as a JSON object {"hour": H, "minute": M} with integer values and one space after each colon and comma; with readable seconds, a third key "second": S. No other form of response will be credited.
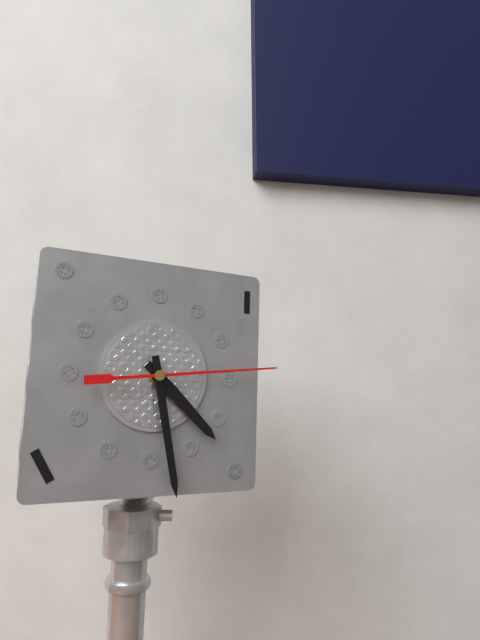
{"hour": 4, "minute": 28, "second": 14}
